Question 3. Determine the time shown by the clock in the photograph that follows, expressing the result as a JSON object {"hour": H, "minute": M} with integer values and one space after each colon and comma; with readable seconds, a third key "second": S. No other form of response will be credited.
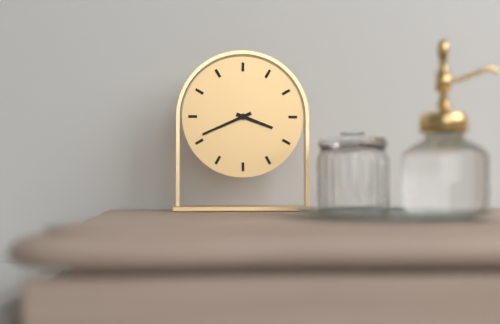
{"hour": 3, "minute": 41}
